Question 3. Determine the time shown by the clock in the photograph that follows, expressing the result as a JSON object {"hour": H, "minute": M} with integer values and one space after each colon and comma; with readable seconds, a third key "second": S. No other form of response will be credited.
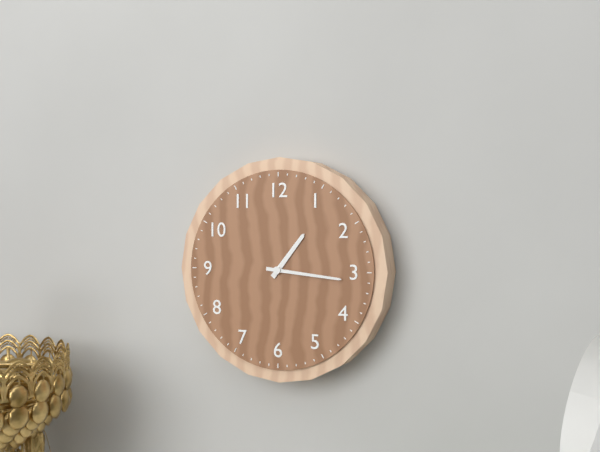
{"hour": 1, "minute": 16}
